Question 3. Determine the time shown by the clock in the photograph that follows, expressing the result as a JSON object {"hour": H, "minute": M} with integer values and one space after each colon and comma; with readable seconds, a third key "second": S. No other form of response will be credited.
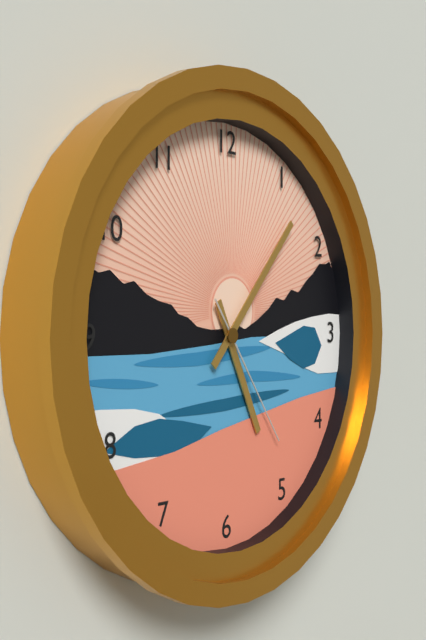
{"hour": 5, "minute": 7, "second": 24}
